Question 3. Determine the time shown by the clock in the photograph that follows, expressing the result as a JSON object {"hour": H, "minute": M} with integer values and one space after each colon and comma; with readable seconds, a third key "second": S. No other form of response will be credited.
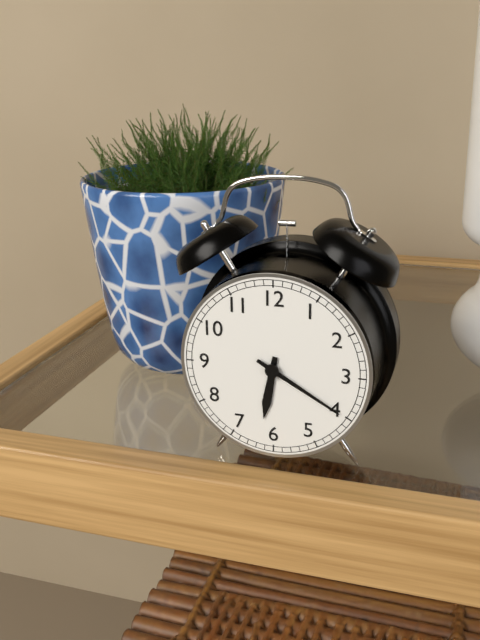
{"hour": 6, "minute": 20}
